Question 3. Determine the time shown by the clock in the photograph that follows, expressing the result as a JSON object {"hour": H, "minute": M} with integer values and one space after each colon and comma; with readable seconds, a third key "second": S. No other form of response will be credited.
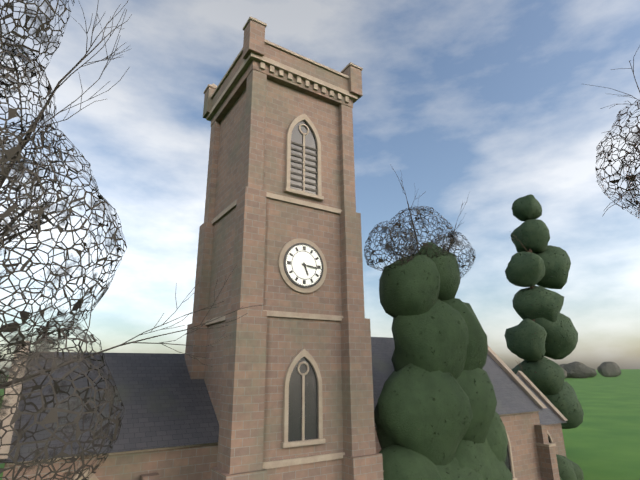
{"hour": 5, "minute": 16}
